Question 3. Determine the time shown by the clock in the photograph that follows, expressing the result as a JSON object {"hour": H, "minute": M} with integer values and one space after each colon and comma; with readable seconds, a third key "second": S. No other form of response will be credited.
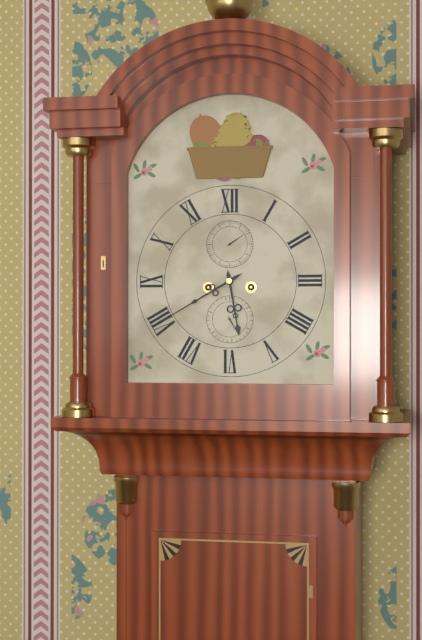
{"hour": 5, "minute": 40}
